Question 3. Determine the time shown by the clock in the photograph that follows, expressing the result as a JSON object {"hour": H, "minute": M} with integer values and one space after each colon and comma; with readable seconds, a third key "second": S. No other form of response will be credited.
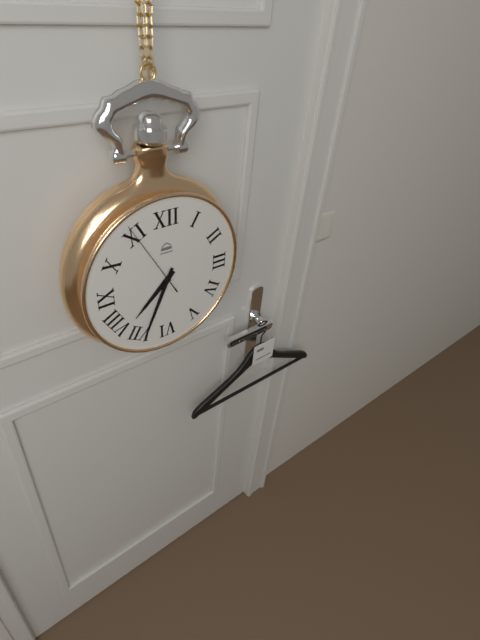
{"hour": 7, "minute": 34, "second": 55}
